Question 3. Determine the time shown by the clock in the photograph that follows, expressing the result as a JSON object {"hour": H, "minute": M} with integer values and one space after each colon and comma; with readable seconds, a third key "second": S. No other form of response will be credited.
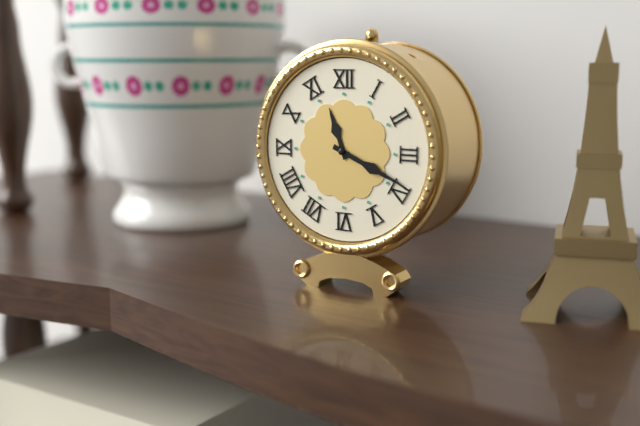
{"hour": 11, "minute": 19}
